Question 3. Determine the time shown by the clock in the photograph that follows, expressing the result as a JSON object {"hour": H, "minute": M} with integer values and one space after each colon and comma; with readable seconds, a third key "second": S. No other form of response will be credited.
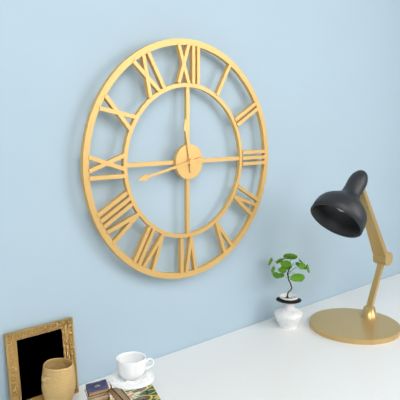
{"hour": 11, "minute": 43}
